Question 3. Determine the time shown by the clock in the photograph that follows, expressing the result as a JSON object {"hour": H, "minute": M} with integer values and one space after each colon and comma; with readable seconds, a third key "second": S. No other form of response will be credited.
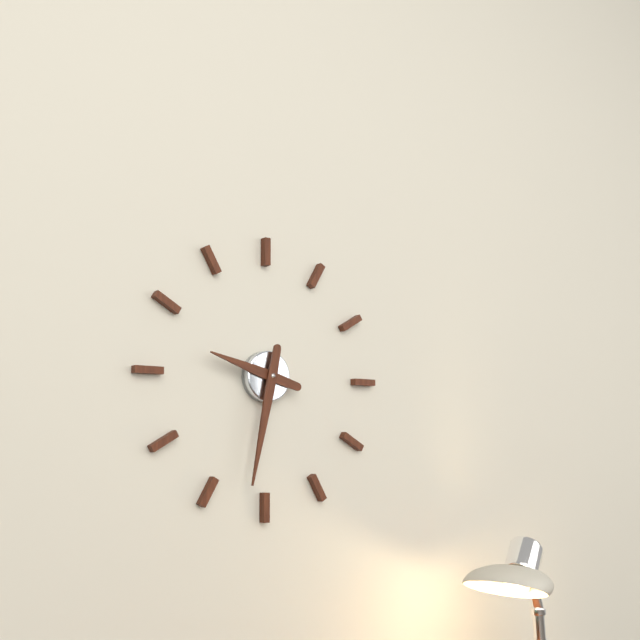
{"hour": 9, "minute": 32}
